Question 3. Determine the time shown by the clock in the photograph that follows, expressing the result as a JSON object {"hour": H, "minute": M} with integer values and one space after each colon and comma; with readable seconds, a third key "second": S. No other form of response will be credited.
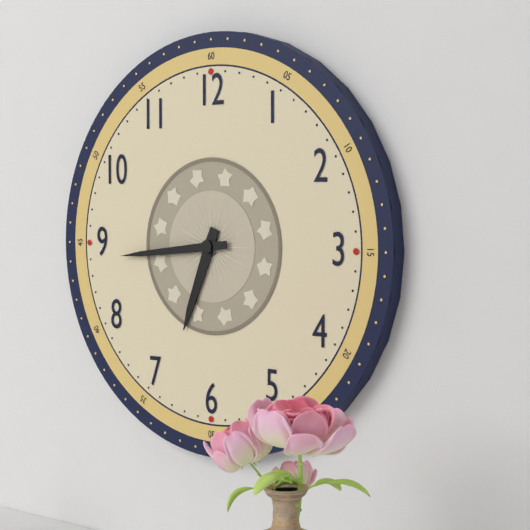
{"hour": 6, "minute": 44}
